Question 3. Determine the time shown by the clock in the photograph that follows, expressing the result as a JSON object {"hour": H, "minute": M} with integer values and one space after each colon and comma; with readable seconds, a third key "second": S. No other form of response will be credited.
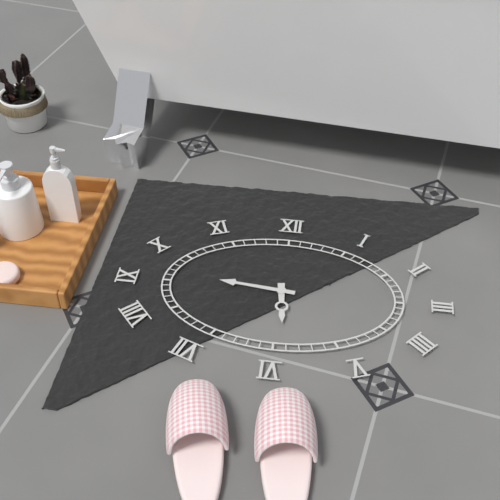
{"hour": 5, "minute": 46}
